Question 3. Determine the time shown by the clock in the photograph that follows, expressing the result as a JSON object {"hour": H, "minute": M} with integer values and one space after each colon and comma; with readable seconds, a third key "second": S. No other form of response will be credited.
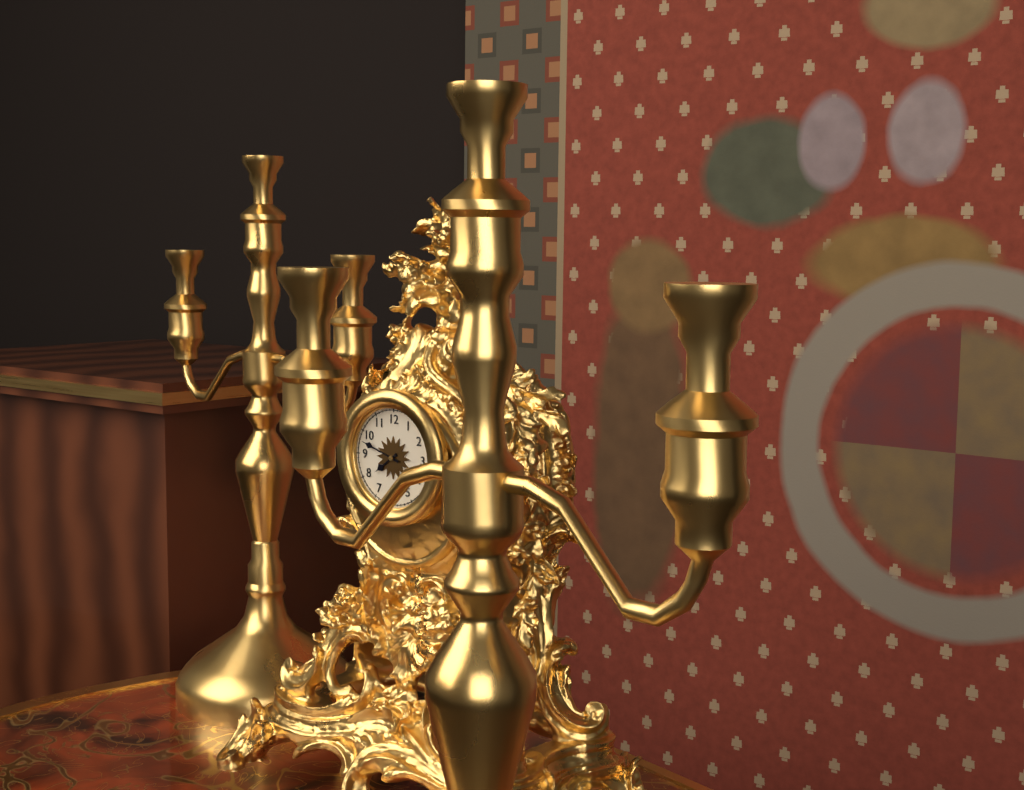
{"hour": 7, "minute": 48}
